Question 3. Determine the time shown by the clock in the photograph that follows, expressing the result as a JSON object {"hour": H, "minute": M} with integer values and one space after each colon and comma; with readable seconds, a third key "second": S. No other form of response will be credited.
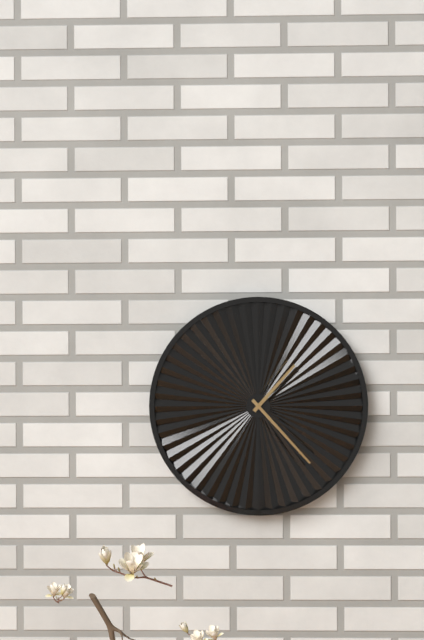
{"hour": 1, "minute": 23}
